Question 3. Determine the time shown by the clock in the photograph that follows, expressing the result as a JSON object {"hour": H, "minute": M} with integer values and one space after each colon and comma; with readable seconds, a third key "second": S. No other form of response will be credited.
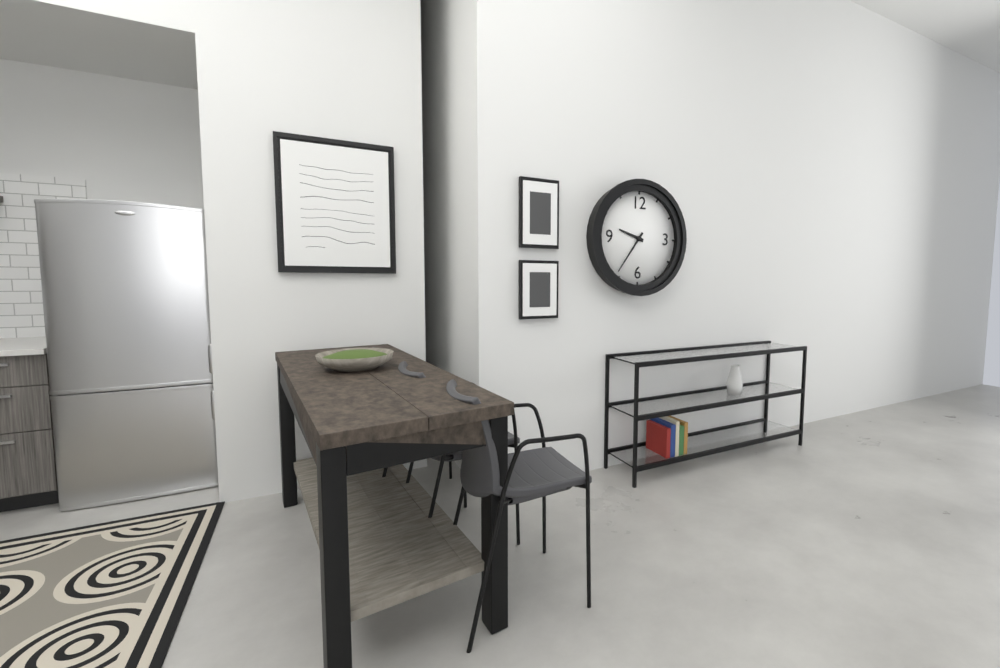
{"hour": 9, "minute": 36}
